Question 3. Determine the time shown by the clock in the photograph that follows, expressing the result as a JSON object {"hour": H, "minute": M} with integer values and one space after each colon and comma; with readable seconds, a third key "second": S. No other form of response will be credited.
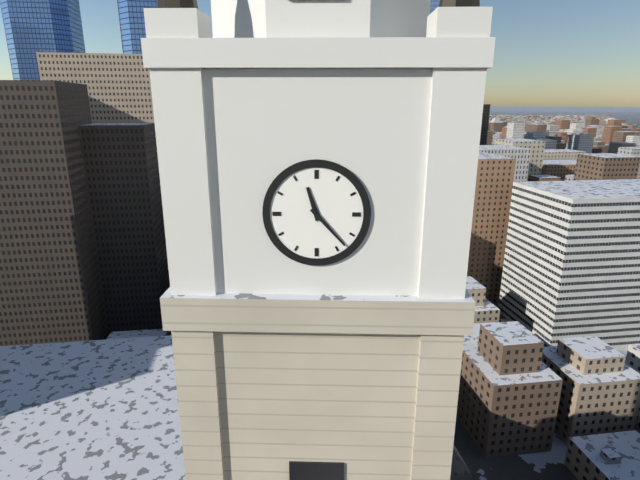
{"hour": 11, "minute": 23}
